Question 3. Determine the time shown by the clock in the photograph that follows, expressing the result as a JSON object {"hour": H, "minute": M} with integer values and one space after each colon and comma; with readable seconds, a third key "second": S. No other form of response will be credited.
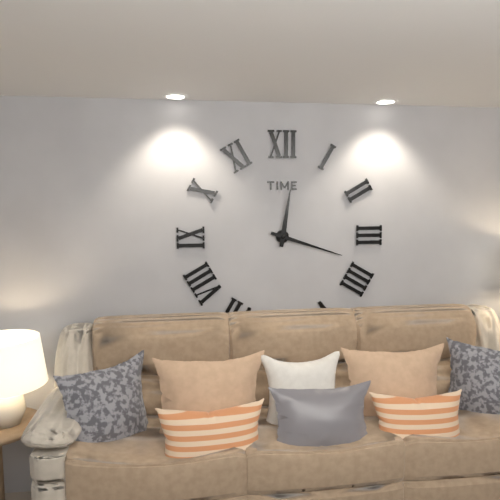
{"hour": 12, "minute": 18}
